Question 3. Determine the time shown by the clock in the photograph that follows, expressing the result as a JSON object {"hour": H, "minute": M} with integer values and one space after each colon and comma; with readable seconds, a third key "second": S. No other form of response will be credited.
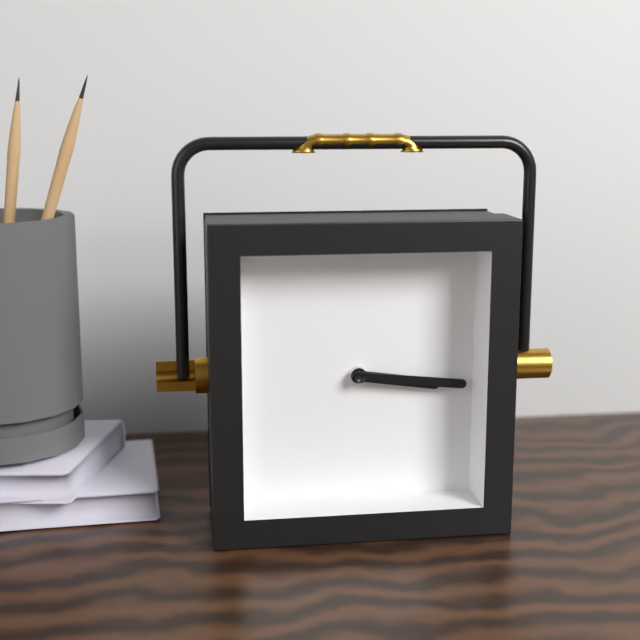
{"hour": 3, "minute": 16}
